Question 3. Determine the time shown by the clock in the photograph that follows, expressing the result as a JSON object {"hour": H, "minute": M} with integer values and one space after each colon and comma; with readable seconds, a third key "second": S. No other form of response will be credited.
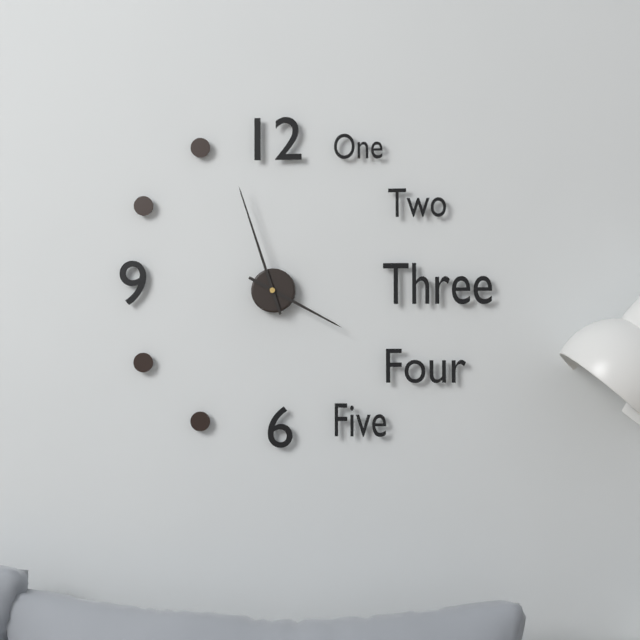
{"hour": 3, "minute": 57}
